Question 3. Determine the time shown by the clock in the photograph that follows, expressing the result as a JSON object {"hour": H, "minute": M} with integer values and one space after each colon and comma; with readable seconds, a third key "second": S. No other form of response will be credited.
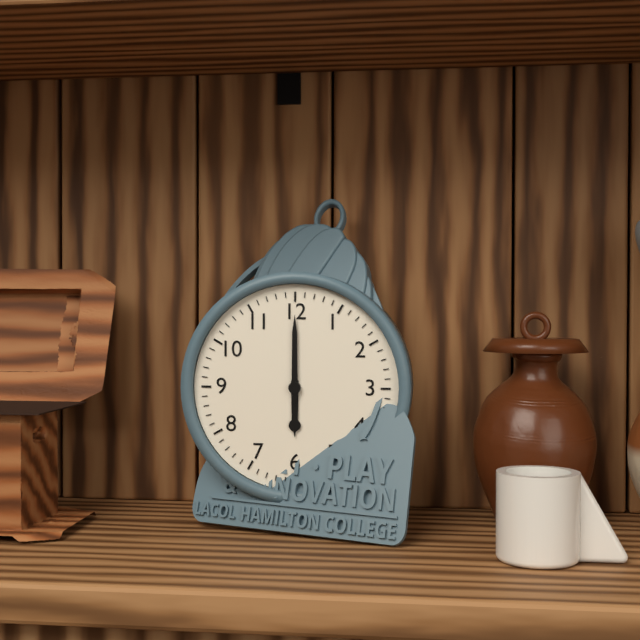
{"hour": 6, "minute": 0}
